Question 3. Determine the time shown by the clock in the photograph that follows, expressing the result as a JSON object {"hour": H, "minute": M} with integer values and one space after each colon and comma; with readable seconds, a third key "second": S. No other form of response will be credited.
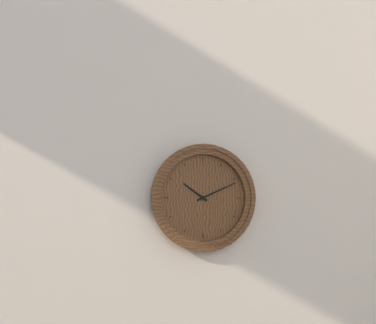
{"hour": 10, "minute": 11}
